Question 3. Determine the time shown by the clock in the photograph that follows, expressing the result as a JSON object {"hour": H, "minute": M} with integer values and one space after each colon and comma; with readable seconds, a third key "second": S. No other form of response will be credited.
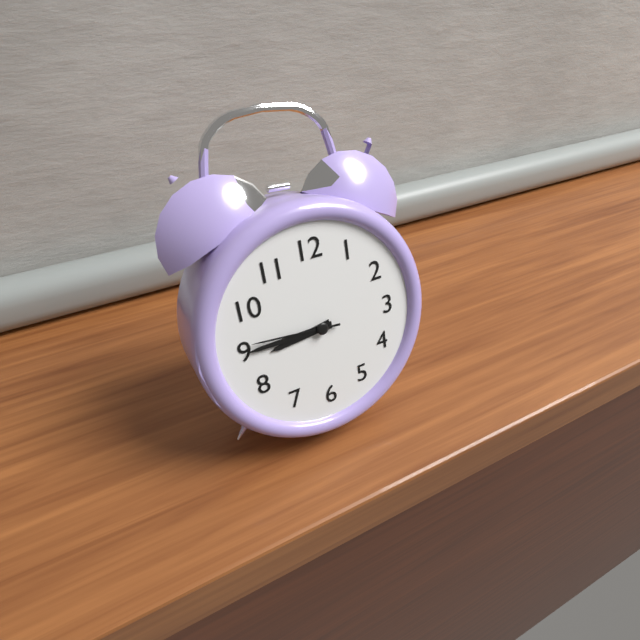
{"hour": 8, "minute": 45, "second": 46}
